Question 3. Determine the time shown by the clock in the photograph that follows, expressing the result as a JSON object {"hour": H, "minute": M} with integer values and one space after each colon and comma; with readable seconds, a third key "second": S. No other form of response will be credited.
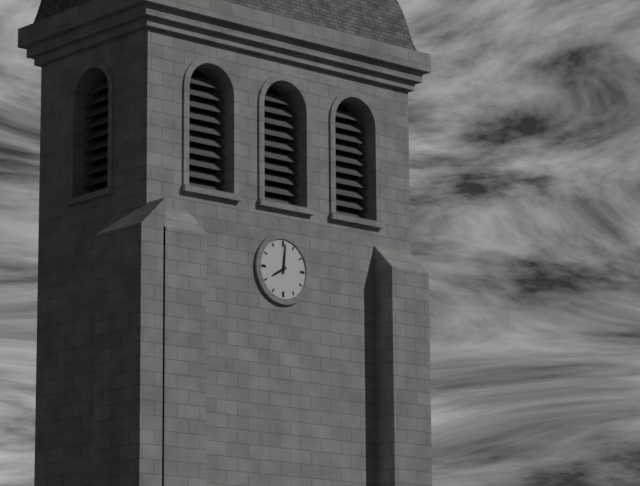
{"hour": 8, "minute": 1}
